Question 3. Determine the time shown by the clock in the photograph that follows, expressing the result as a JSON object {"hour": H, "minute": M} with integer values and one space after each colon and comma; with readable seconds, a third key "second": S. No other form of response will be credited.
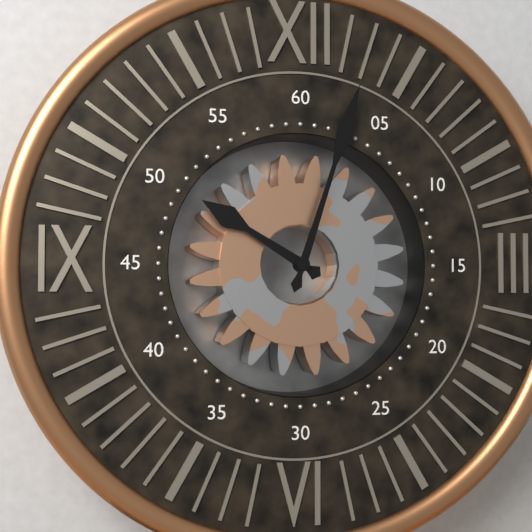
{"hour": 10, "minute": 3}
